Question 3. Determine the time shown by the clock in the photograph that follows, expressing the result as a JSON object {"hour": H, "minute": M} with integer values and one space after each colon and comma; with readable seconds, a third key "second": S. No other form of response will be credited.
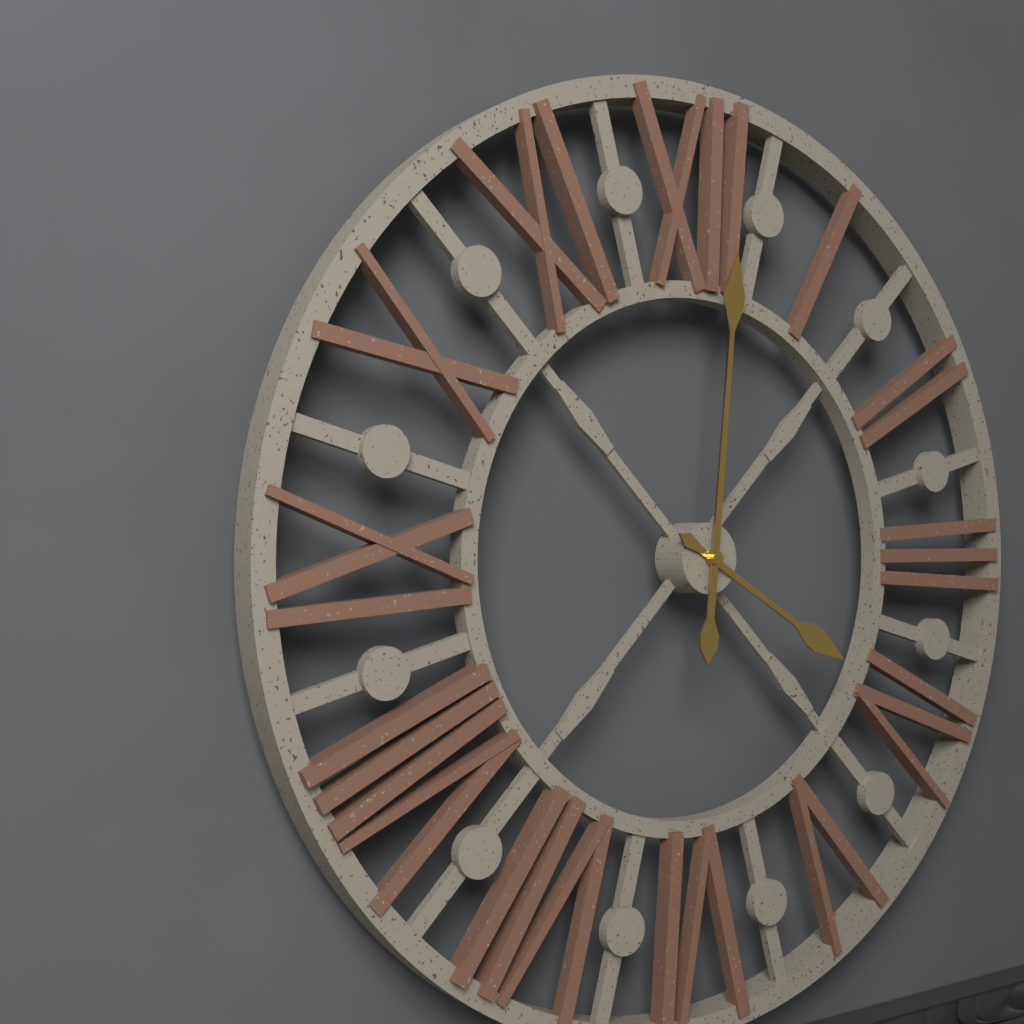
{"hour": 4, "minute": 1}
